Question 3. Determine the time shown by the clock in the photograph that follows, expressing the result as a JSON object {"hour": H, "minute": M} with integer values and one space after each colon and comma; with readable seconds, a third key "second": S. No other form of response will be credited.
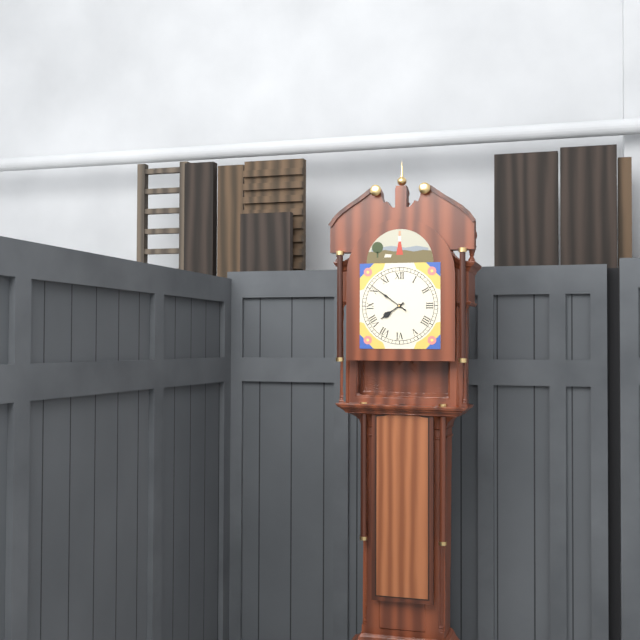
{"hour": 7, "minute": 51}
